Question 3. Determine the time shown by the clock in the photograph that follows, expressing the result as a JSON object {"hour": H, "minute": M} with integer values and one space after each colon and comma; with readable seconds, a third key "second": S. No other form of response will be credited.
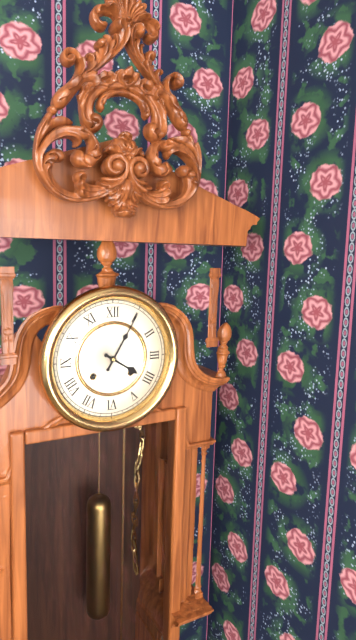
{"hour": 4, "minute": 5}
